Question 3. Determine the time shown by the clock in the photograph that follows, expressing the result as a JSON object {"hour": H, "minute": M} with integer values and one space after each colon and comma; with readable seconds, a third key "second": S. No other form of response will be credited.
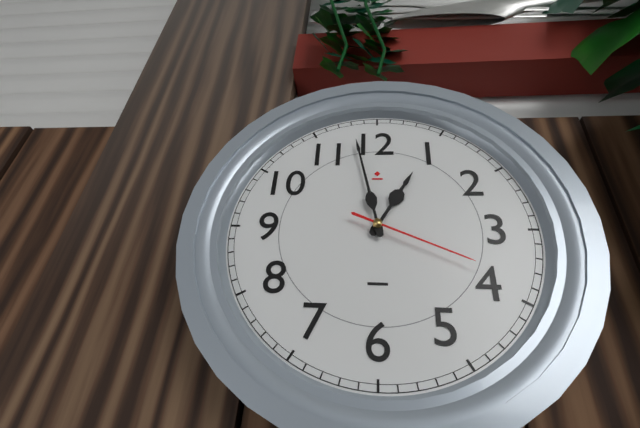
{"hour": 12, "minute": 58, "second": 19}
